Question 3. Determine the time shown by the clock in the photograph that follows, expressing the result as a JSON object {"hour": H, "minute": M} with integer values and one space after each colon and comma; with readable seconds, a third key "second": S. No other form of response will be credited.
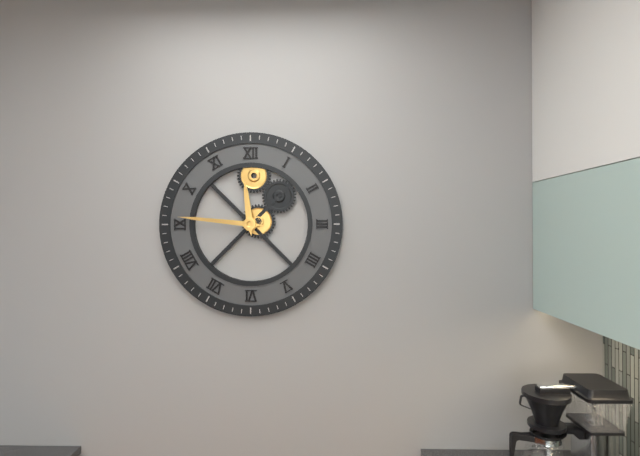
{"hour": 11, "minute": 46}
